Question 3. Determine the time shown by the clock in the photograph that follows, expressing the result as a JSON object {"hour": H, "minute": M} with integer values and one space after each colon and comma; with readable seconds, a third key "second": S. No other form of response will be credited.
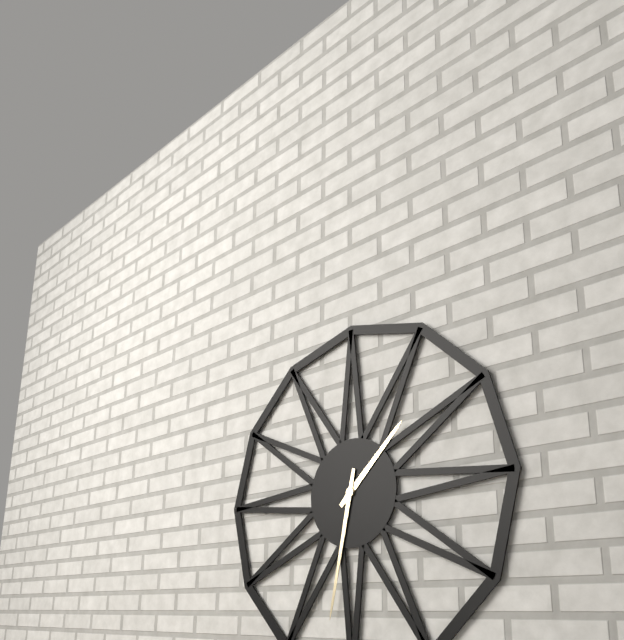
{"hour": 1, "minute": 32}
